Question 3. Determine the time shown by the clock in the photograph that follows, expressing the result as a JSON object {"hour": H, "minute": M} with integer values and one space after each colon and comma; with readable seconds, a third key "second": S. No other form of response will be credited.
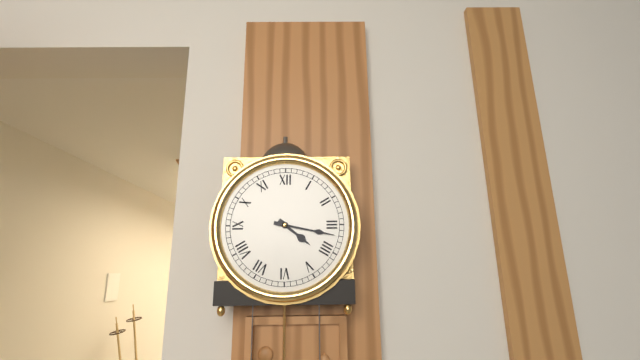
{"hour": 4, "minute": 17}
